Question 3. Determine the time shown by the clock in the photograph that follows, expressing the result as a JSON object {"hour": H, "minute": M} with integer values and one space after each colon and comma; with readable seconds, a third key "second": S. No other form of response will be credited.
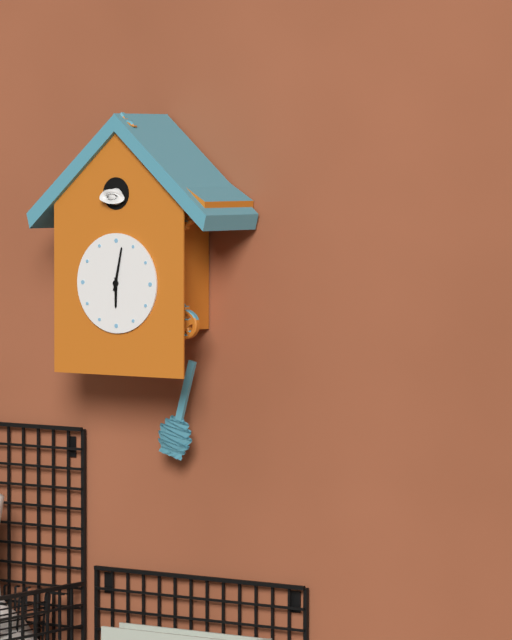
{"hour": 6, "minute": 2}
